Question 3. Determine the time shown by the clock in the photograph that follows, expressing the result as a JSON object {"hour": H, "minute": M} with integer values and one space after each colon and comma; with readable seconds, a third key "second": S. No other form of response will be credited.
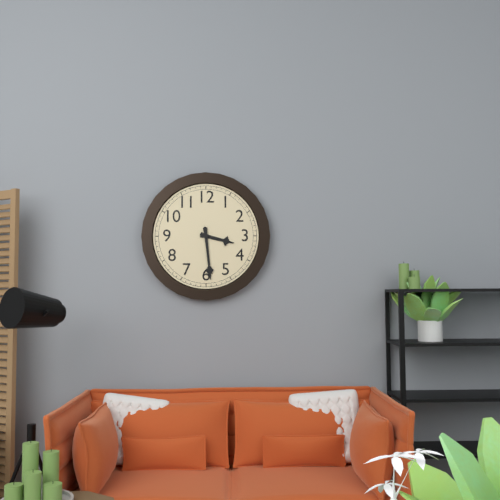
{"hour": 3, "minute": 29}
